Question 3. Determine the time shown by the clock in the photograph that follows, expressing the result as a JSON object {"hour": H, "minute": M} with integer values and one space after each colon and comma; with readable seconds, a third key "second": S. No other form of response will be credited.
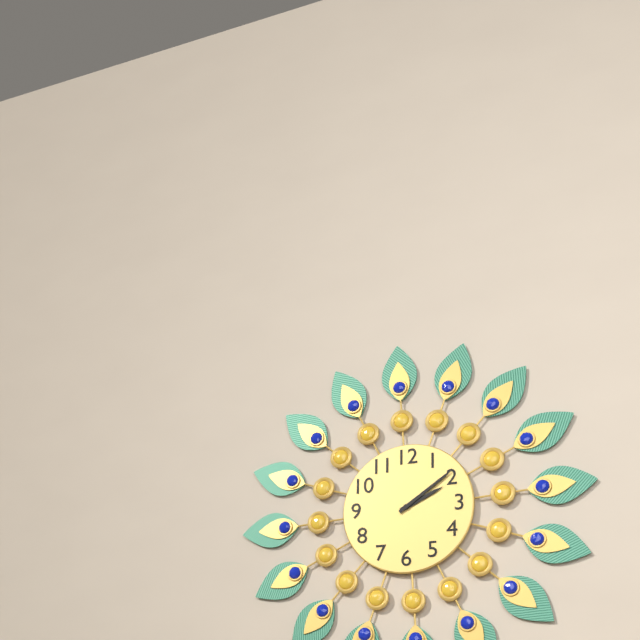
{"hour": 2, "minute": 9}
